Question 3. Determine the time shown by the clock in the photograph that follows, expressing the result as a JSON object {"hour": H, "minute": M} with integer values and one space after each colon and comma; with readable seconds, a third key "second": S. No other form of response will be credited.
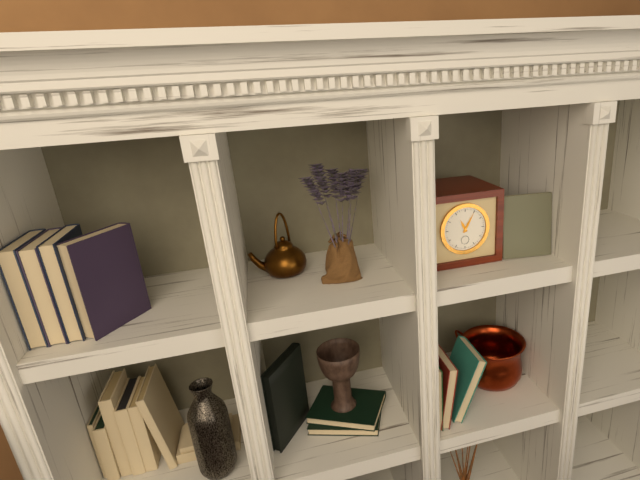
{"hour": 11, "minute": 5}
